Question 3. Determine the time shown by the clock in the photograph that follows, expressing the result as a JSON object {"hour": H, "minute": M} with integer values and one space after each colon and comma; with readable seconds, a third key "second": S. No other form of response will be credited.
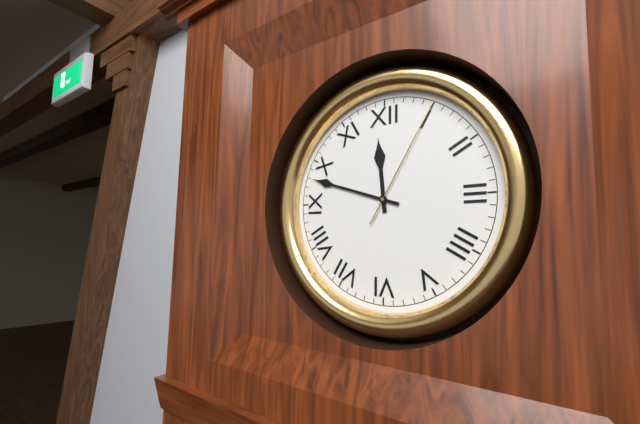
{"hour": 11, "minute": 48, "second": 5}
